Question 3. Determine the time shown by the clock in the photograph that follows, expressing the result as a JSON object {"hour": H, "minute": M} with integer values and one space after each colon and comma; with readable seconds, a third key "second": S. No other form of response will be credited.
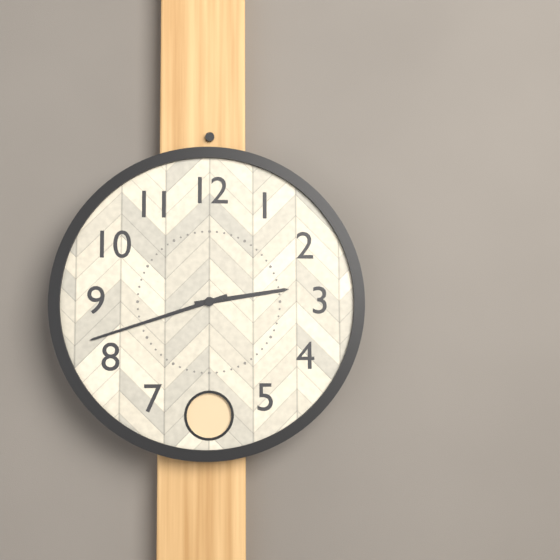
{"hour": 2, "minute": 42}
